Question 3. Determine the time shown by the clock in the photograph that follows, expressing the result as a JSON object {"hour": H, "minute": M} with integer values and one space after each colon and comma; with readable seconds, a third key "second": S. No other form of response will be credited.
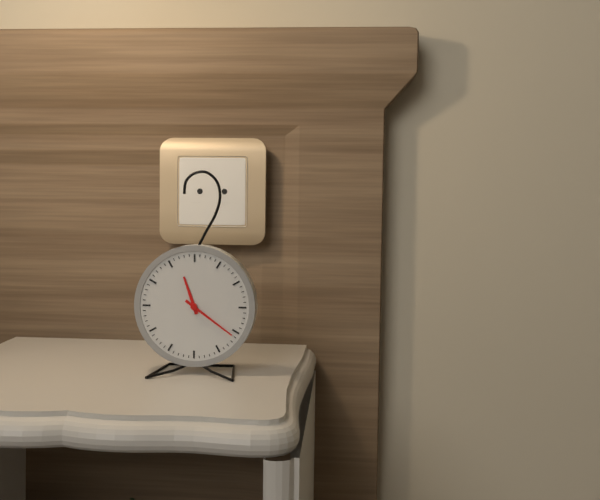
{"hour": 11, "minute": 21}
